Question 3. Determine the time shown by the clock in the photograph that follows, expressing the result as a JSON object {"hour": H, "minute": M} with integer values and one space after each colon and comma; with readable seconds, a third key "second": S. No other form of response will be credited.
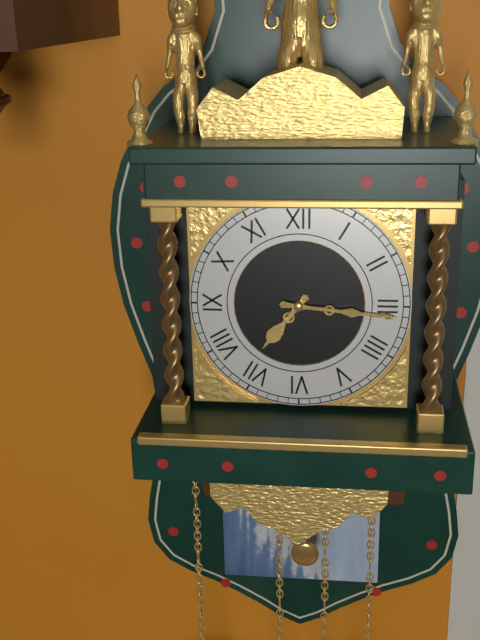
{"hour": 7, "minute": 16}
